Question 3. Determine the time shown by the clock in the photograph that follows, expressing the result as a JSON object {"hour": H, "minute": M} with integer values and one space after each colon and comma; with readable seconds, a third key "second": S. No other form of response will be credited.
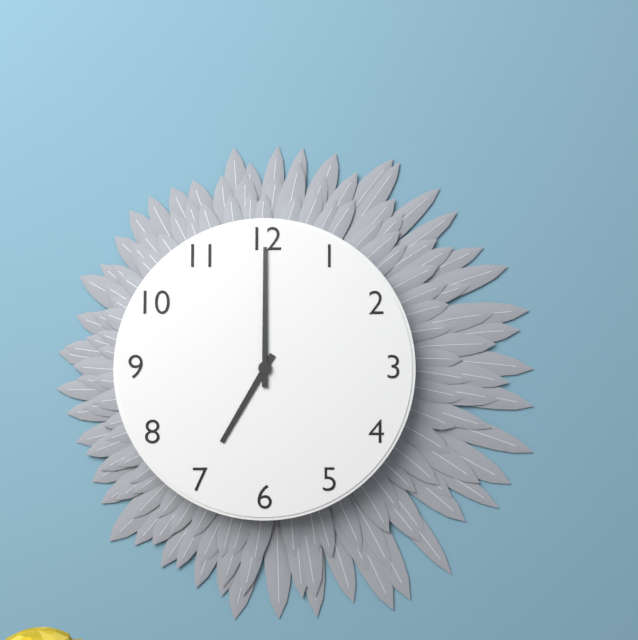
{"hour": 7, "minute": 0}
